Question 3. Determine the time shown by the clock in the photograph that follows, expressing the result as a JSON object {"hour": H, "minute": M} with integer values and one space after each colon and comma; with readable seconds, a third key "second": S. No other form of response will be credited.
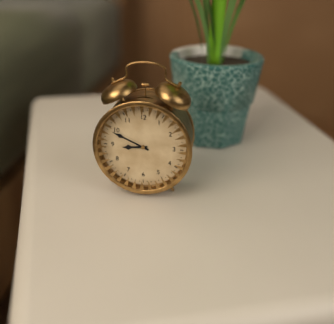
{"hour": 8, "minute": 49}
